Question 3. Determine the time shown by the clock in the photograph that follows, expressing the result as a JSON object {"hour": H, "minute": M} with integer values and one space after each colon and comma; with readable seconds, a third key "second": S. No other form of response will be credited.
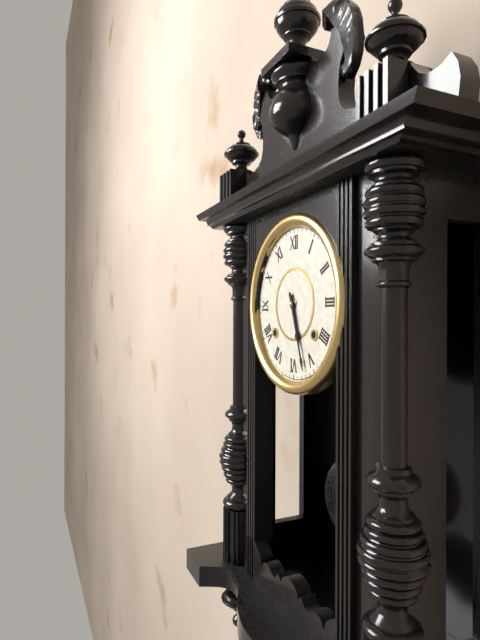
{"hour": 5, "minute": 27}
